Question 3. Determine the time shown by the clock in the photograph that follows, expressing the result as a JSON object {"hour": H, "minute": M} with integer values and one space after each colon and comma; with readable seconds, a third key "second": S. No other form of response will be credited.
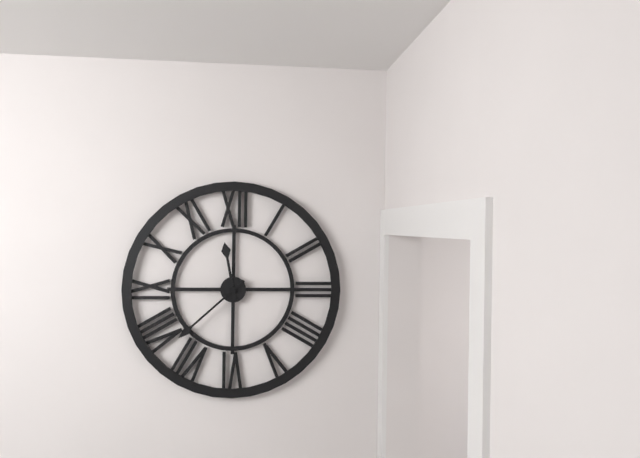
{"hour": 11, "minute": 38}
